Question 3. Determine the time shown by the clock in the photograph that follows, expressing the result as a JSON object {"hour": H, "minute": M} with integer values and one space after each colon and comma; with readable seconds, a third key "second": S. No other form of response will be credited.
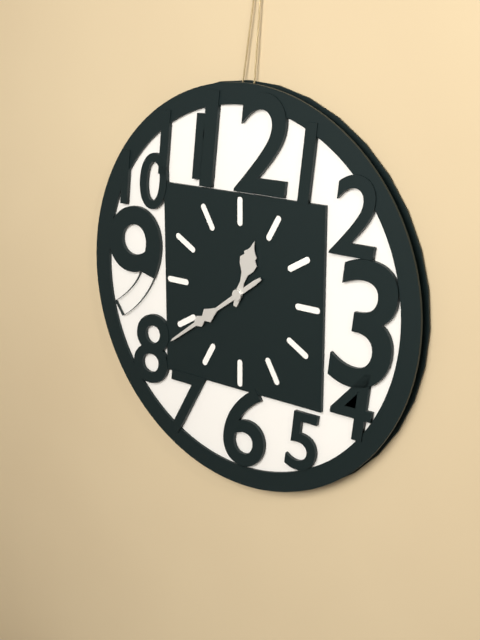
{"hour": 12, "minute": 39}
